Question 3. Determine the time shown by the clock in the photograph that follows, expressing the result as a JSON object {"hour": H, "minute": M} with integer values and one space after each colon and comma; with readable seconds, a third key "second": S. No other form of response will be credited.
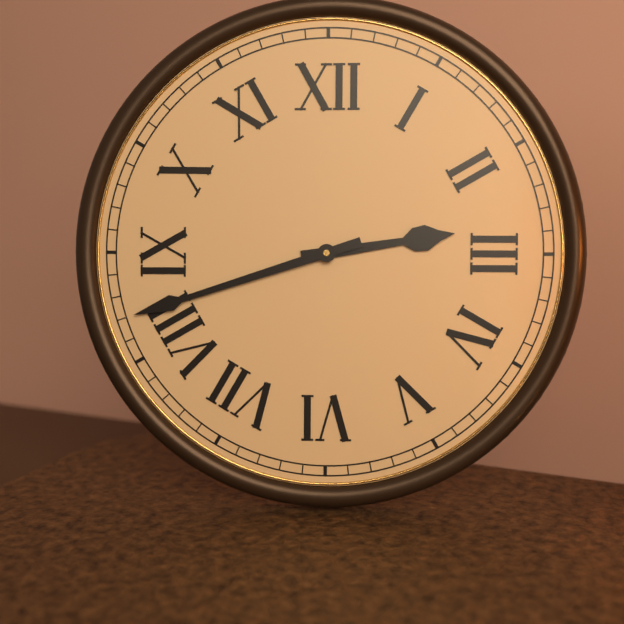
{"hour": 2, "minute": 42}
